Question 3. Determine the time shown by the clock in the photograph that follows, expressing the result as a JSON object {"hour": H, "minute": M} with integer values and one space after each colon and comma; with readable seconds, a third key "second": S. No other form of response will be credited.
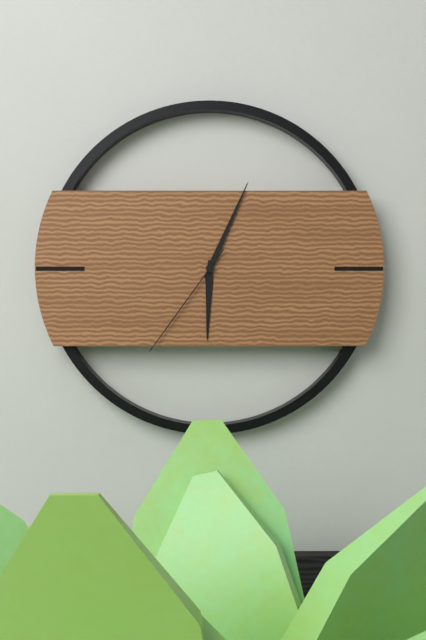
{"hour": 6, "minute": 4, "second": 36}
